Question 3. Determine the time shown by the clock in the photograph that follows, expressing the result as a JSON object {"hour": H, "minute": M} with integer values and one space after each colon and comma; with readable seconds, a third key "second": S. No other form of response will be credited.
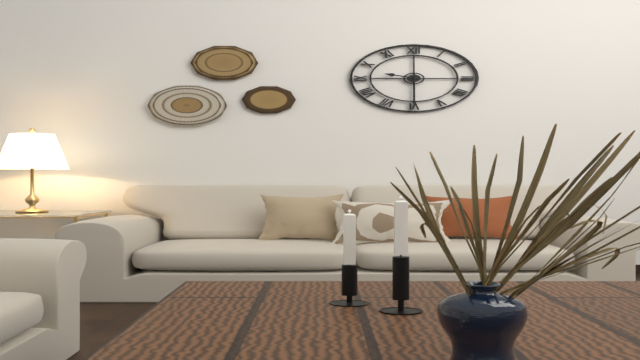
{"hour": 9, "minute": 30}
